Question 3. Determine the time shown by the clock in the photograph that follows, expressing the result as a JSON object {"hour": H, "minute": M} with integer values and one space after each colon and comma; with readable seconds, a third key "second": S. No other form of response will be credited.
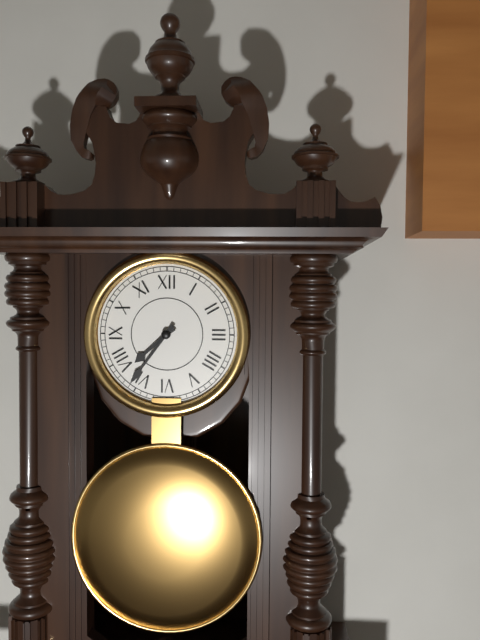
{"hour": 7, "minute": 36}
